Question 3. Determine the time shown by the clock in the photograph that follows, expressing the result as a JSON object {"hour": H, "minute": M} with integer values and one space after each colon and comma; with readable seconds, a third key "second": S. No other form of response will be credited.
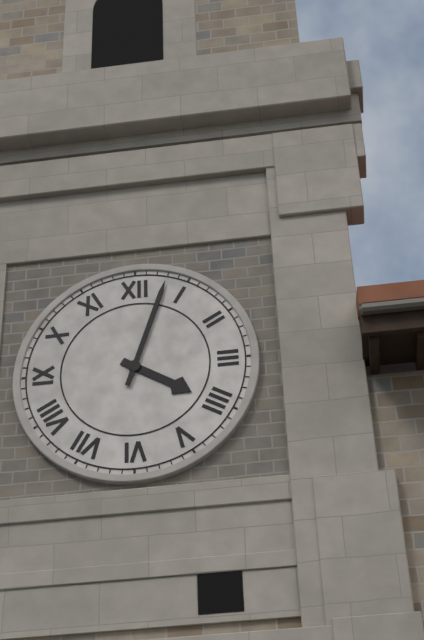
{"hour": 4, "minute": 3}
